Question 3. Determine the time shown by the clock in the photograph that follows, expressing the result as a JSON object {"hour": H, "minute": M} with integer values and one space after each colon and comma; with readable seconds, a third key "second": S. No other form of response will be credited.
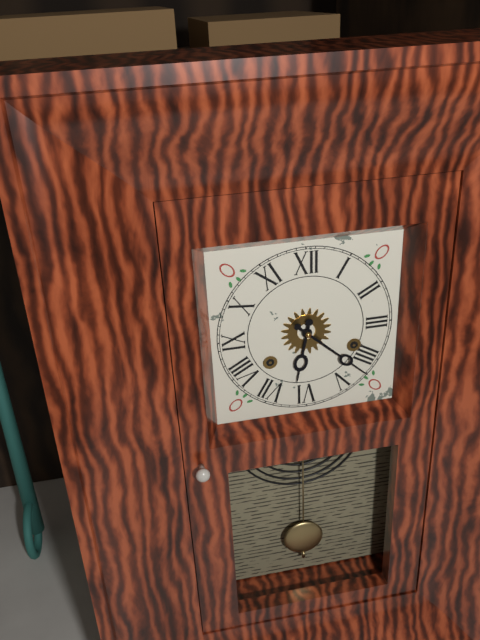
{"hour": 6, "minute": 22}
